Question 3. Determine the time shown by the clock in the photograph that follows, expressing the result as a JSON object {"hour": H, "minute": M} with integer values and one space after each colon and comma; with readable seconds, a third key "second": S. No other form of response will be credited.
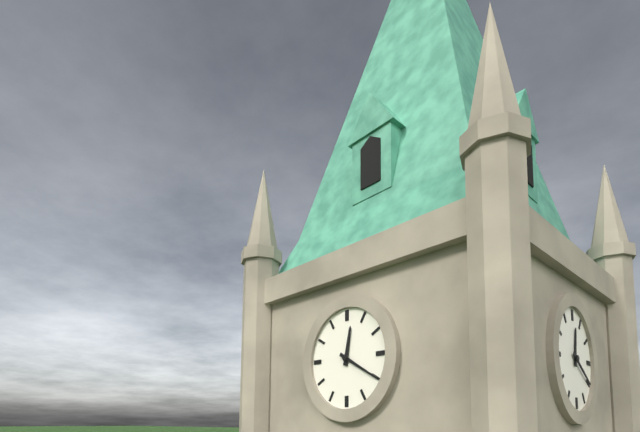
{"hour": 12, "minute": 20}
